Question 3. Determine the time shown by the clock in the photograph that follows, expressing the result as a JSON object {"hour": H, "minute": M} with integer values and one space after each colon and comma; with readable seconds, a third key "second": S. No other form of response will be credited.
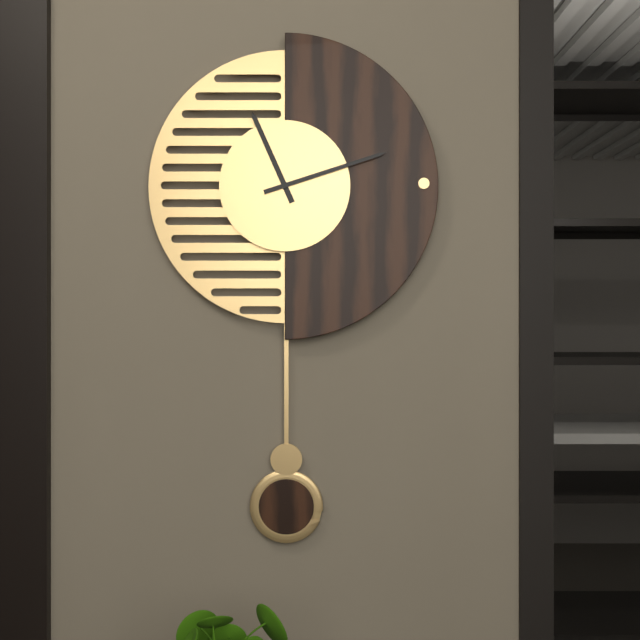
{"hour": 11, "minute": 12}
